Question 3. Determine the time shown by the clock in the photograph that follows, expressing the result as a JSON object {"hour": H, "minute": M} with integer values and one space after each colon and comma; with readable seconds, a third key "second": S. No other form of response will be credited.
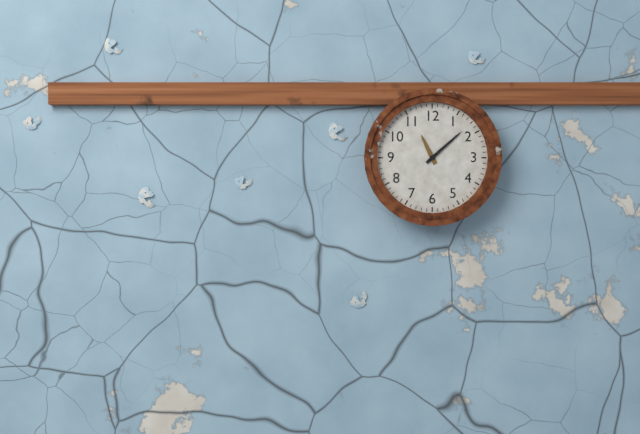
{"hour": 11, "minute": 8}
